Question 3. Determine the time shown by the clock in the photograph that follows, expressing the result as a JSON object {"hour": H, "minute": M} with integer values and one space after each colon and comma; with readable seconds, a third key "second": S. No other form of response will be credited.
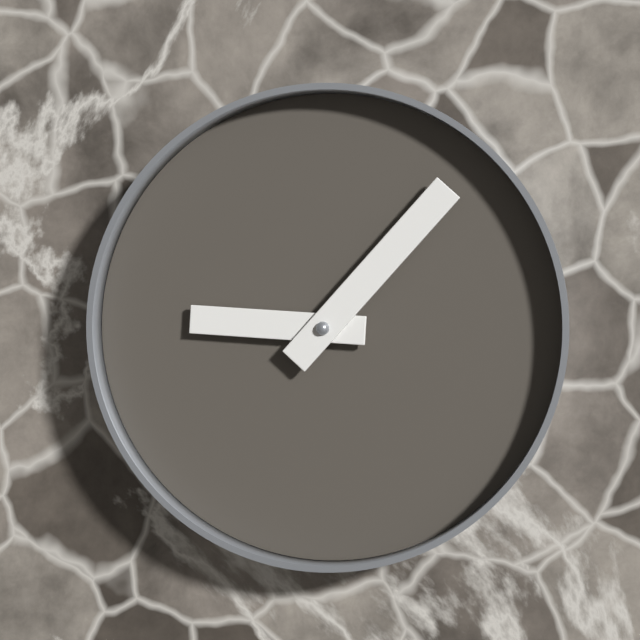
{"hour": 9, "minute": 7}
